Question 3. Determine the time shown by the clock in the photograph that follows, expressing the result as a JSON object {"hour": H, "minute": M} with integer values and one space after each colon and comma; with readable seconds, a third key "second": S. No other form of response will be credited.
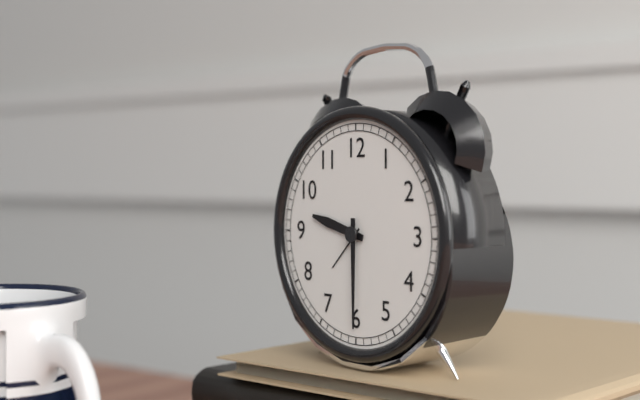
{"hour": 9, "minute": 30}
